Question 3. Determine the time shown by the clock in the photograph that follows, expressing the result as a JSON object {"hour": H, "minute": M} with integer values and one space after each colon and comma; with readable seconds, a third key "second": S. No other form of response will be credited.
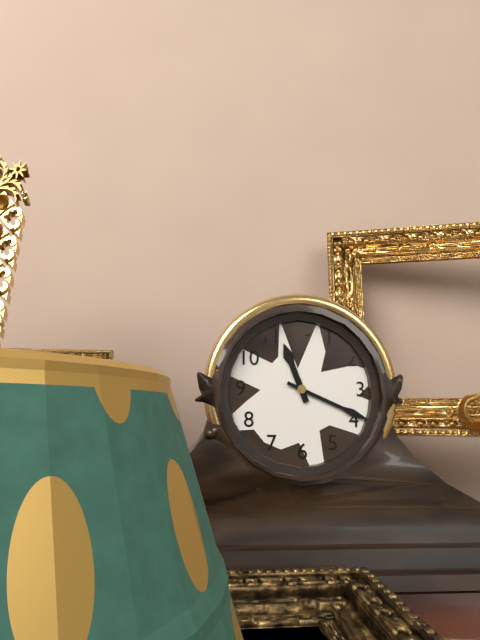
{"hour": 11, "minute": 19}
